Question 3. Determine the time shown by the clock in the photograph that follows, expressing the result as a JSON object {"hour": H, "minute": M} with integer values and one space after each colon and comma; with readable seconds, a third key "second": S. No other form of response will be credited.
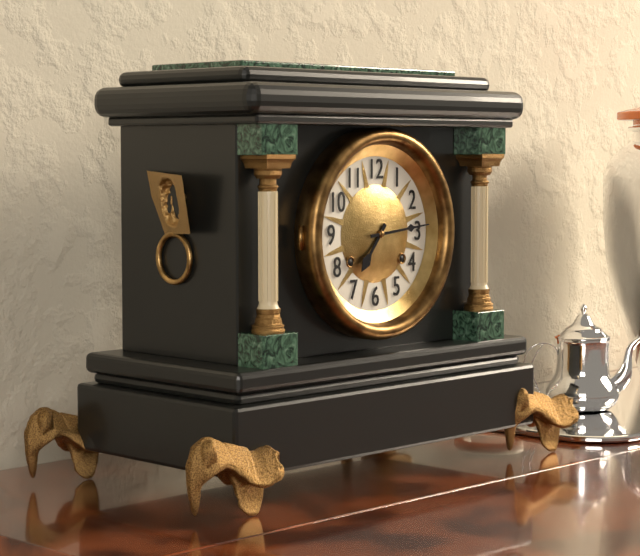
{"hour": 7, "minute": 14}
